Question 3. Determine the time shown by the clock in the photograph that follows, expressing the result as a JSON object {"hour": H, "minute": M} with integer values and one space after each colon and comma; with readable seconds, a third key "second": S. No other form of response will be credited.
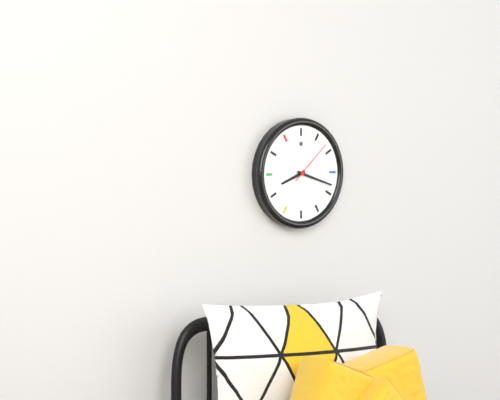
{"hour": 8, "minute": 18}
